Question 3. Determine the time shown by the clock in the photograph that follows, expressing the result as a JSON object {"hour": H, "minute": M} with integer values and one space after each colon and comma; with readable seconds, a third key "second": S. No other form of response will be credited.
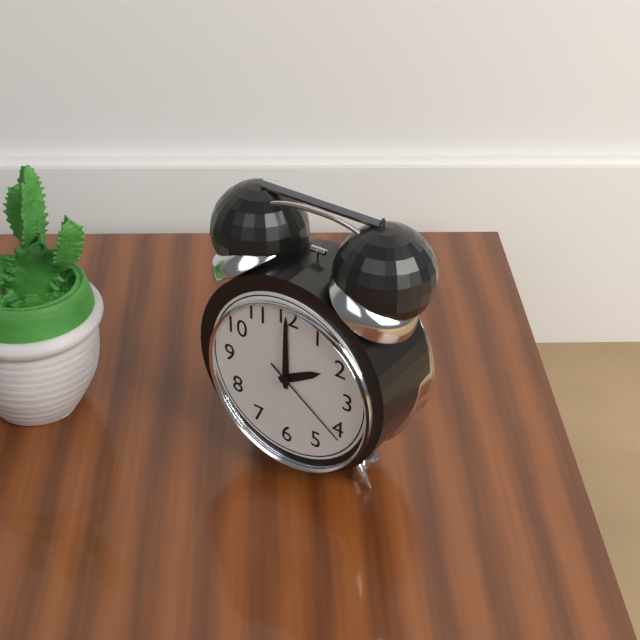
{"hour": 2, "minute": 0, "second": 21}
